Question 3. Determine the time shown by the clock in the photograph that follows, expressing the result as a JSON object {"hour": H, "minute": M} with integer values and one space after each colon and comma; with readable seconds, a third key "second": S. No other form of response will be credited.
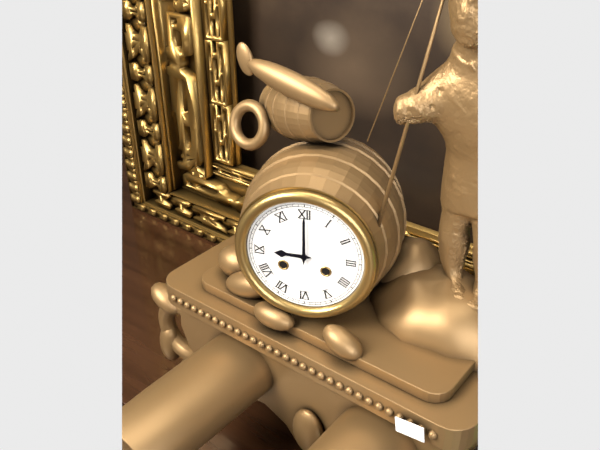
{"hour": 9, "minute": 0}
